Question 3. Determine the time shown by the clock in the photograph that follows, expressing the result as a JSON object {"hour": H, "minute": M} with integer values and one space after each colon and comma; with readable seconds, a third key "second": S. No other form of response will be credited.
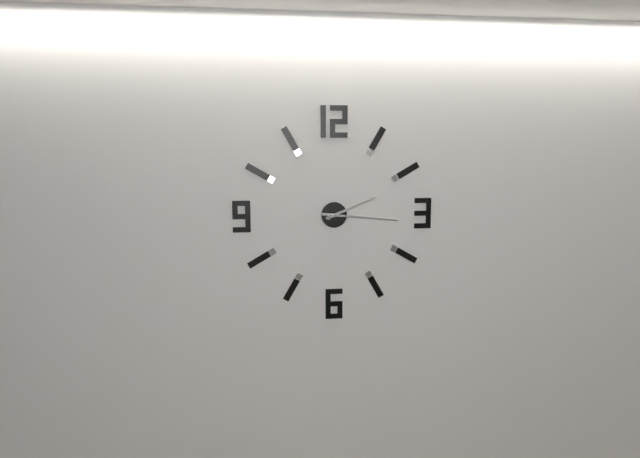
{"hour": 2, "minute": 16}
